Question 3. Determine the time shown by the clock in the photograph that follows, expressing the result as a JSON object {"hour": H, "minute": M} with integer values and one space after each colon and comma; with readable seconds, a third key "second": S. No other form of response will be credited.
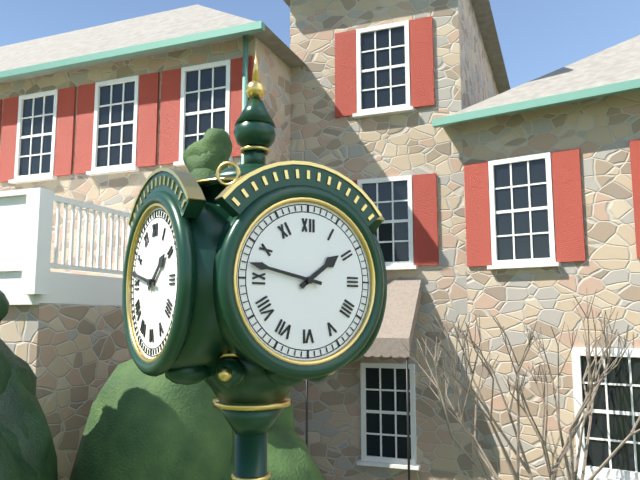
{"hour": 1, "minute": 47}
